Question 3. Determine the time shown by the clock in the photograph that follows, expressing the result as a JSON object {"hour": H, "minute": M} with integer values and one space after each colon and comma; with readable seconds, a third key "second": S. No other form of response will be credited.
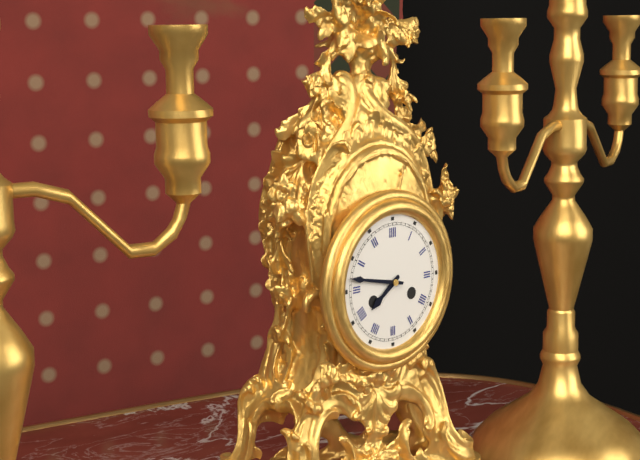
{"hour": 7, "minute": 47}
